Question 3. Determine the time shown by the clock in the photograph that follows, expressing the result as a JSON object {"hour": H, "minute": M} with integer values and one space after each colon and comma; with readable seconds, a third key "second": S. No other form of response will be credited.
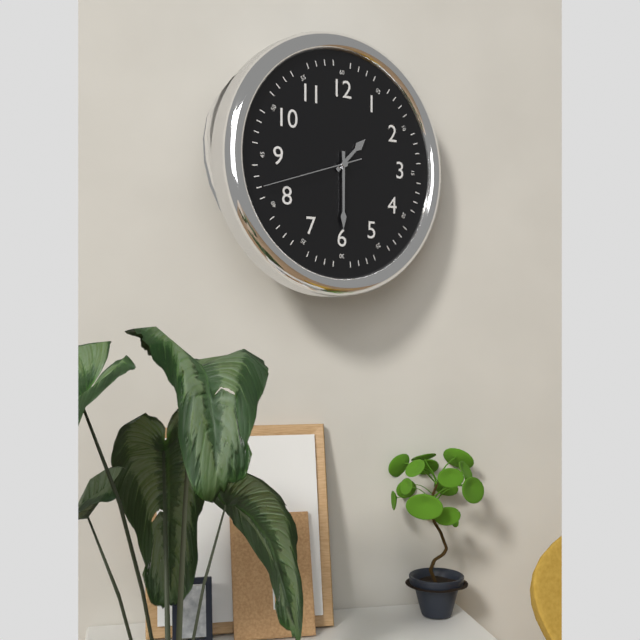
{"hour": 1, "minute": 30, "second": 42}
